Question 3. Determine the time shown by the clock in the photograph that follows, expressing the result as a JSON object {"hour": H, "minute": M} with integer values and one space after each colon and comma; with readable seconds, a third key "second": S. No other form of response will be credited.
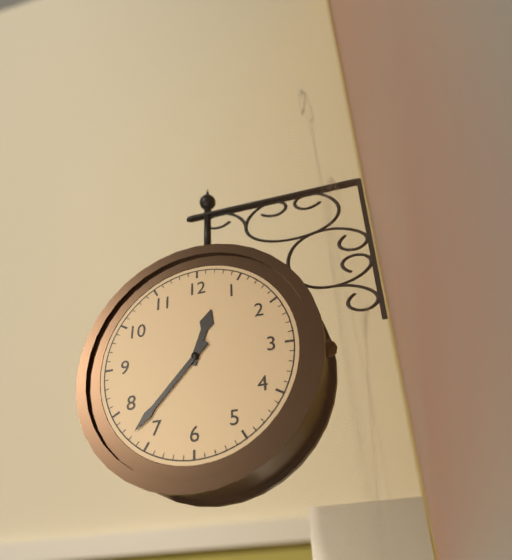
{"hour": 12, "minute": 37}
